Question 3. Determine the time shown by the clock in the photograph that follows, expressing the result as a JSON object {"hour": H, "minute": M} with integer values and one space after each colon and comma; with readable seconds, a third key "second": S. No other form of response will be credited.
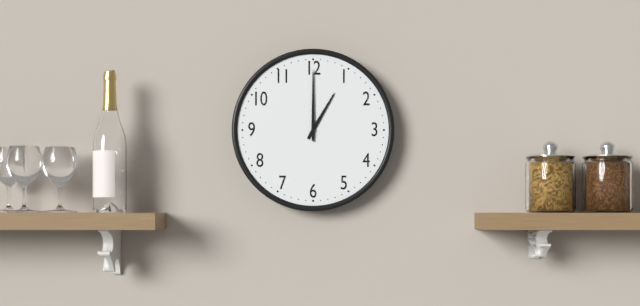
{"hour": 1, "minute": 0}
